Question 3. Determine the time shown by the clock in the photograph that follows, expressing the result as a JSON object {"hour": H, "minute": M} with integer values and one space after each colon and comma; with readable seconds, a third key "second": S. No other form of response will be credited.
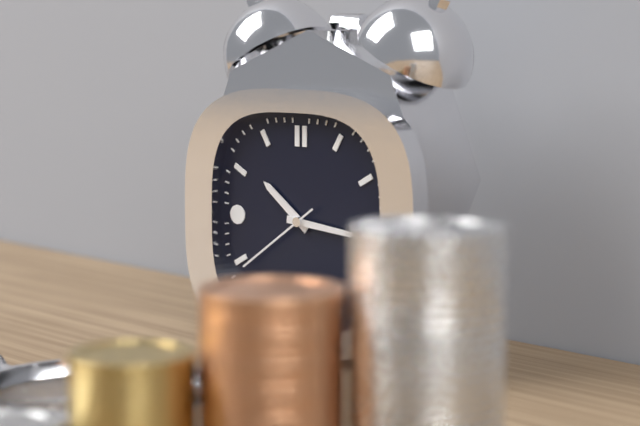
{"hour": 10, "minute": 16, "second": 39}
